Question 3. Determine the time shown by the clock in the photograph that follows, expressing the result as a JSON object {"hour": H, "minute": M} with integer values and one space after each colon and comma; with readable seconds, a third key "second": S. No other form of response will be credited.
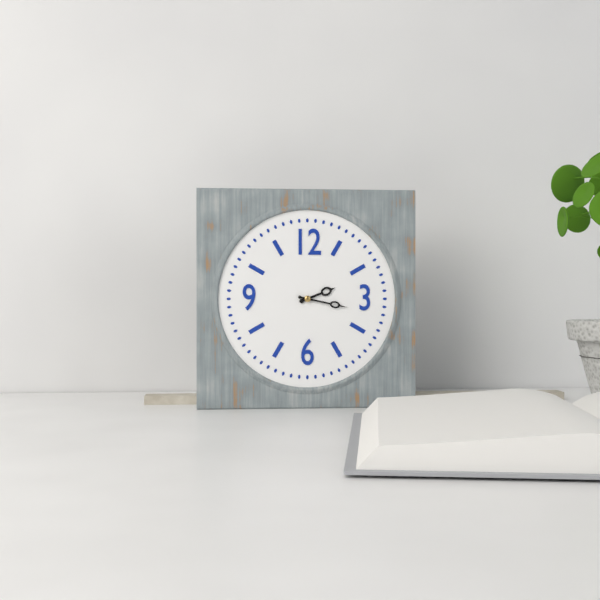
{"hour": 2, "minute": 17}
